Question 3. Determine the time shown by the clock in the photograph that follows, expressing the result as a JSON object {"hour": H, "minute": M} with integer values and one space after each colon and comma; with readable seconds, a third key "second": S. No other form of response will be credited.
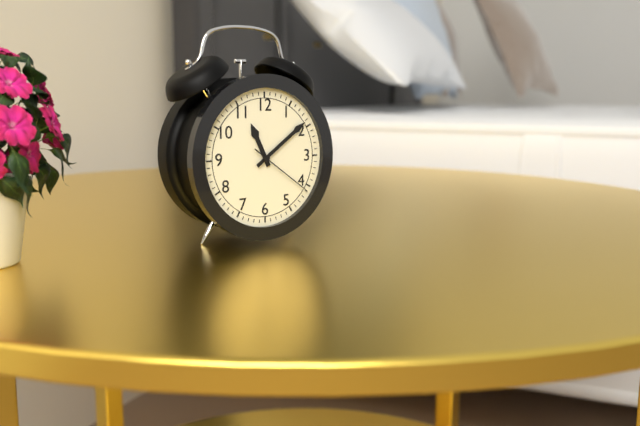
{"hour": 11, "minute": 9, "second": 21}
